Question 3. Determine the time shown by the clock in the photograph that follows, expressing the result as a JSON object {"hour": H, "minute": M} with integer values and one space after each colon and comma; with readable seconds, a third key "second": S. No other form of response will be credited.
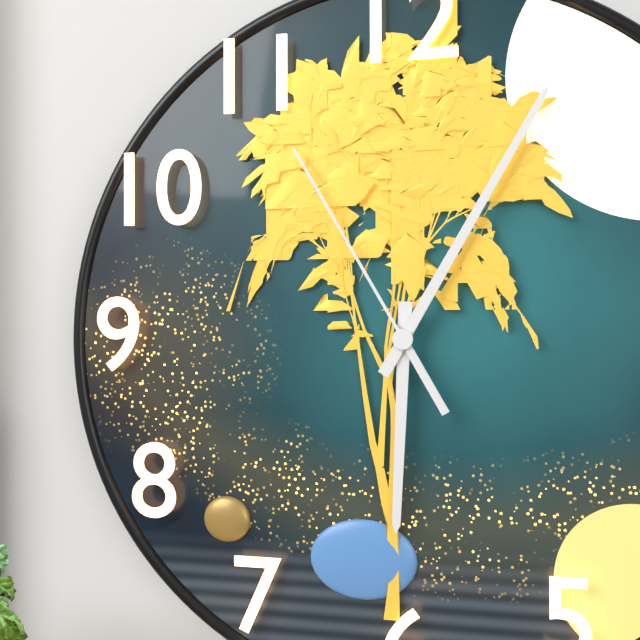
{"hour": 6, "minute": 5, "second": 55}
